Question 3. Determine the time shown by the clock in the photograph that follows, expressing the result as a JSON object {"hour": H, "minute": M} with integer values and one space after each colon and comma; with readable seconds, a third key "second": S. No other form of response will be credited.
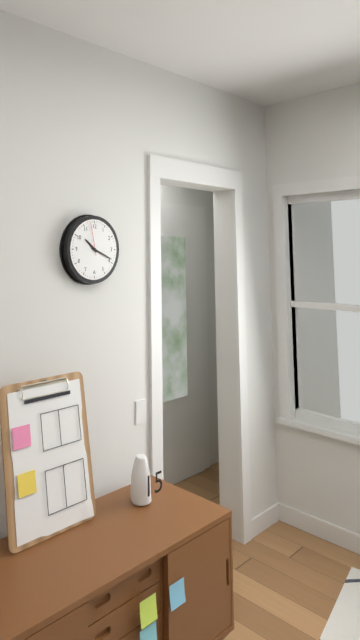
{"hour": 10, "minute": 19}
